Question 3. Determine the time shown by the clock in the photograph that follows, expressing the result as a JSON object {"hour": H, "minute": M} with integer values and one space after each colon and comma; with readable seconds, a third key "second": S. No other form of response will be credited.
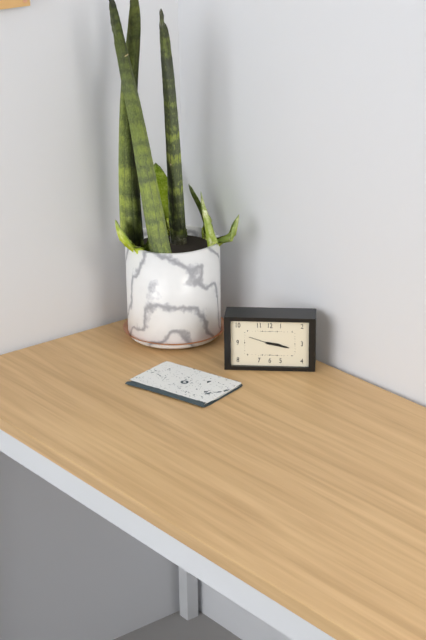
{"hour": 3, "minute": 17}
